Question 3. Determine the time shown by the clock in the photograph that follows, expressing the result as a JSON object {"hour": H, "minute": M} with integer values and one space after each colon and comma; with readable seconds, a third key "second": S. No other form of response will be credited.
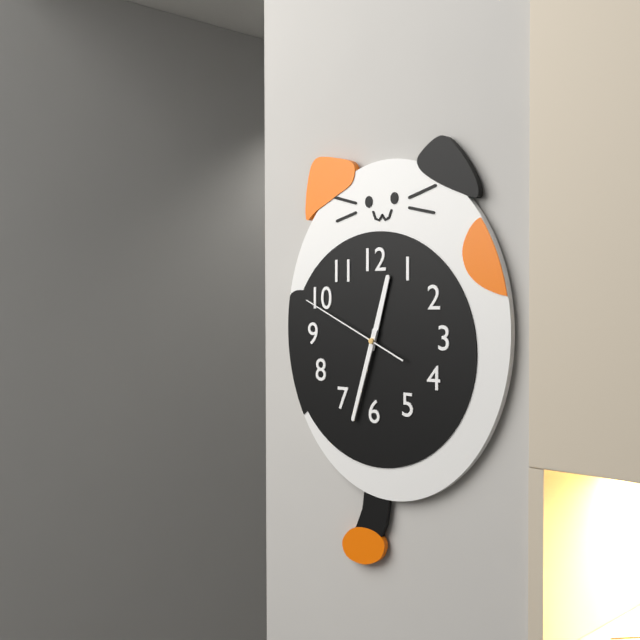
{"hour": 12, "minute": 33, "second": 49}
